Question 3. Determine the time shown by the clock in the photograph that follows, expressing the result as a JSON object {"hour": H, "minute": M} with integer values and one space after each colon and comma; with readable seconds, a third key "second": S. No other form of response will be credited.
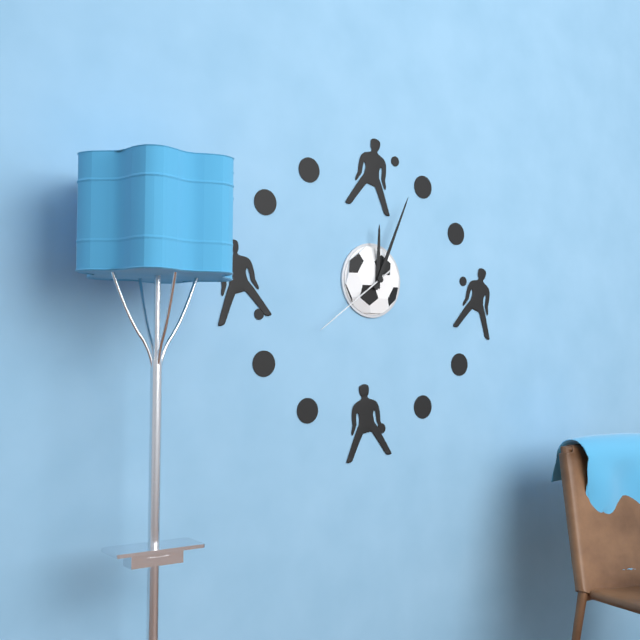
{"hour": 12, "minute": 4, "second": 39}
